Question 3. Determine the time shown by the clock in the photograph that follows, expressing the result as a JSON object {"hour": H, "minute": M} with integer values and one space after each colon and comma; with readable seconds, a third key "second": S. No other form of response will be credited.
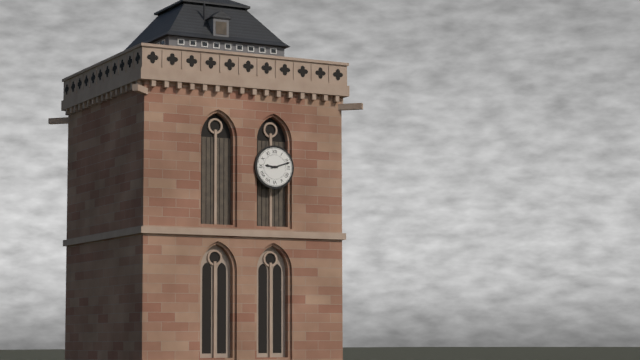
{"hour": 9, "minute": 12}
